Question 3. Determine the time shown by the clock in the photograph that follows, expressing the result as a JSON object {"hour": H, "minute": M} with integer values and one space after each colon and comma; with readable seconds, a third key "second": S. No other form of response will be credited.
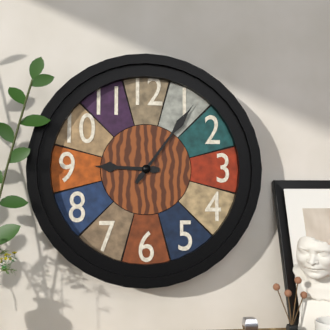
{"hour": 9, "minute": 6}
